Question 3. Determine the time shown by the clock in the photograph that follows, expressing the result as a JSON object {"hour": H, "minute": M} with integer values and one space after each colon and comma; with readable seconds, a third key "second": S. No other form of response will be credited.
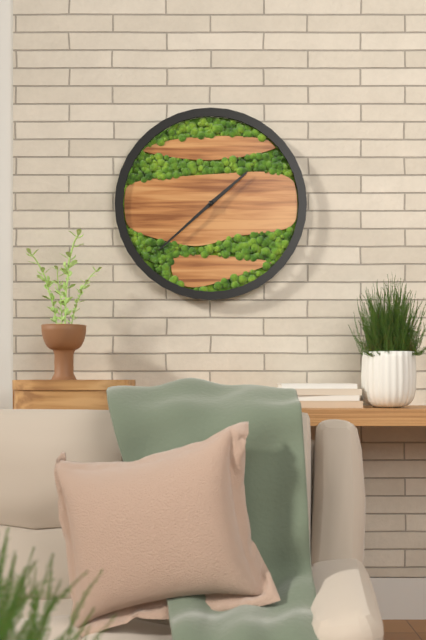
{"hour": 1, "minute": 38}
